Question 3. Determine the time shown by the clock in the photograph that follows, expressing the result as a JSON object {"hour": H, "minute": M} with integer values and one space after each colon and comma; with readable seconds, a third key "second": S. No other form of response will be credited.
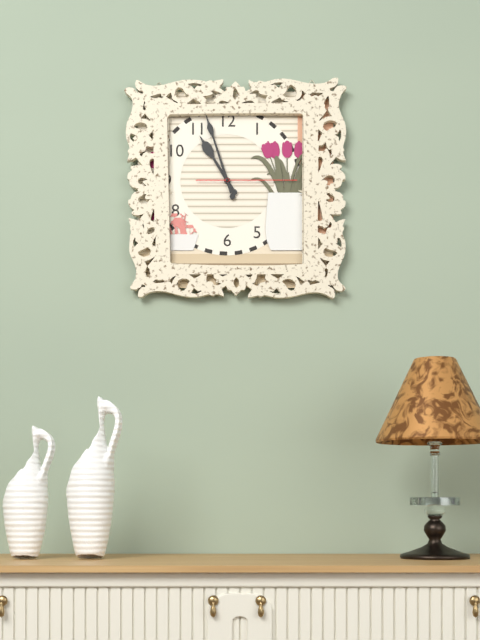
{"hour": 10, "minute": 57, "second": 15}
